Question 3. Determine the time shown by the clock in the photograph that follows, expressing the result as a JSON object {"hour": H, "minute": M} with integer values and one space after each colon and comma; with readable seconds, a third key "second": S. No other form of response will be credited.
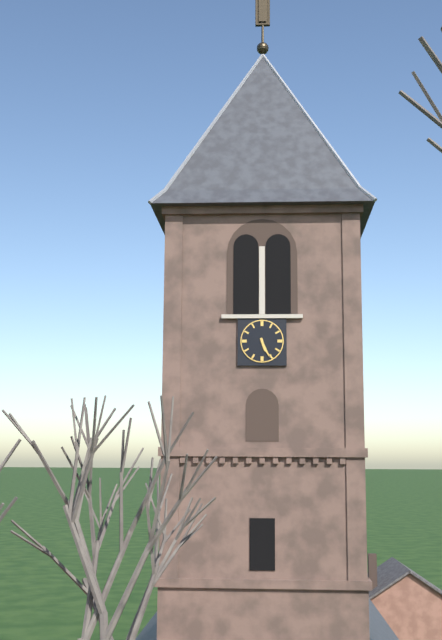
{"hour": 5, "minute": 26}
